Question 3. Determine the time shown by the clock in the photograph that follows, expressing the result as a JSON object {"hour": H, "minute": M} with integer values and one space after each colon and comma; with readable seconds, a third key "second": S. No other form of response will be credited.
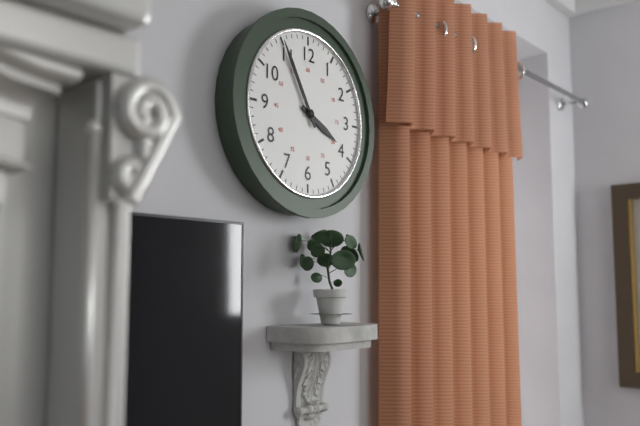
{"hour": 3, "minute": 55}
